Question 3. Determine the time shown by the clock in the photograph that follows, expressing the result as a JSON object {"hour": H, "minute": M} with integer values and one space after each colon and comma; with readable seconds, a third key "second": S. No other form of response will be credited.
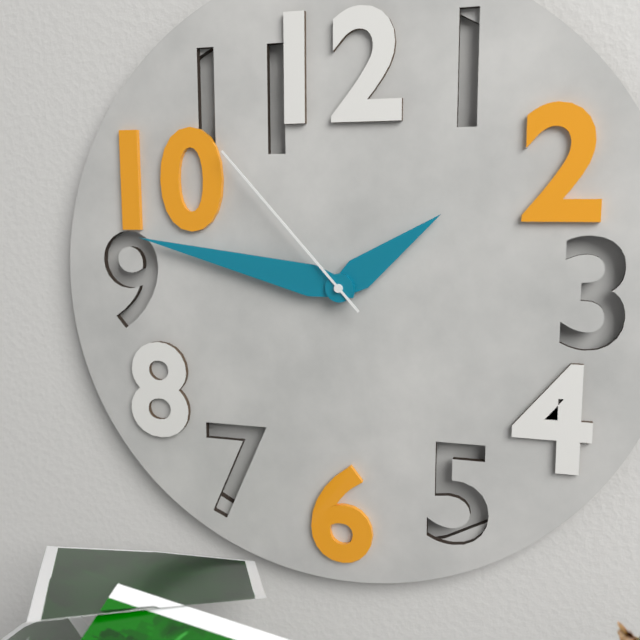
{"hour": 1, "minute": 47, "second": 53}
